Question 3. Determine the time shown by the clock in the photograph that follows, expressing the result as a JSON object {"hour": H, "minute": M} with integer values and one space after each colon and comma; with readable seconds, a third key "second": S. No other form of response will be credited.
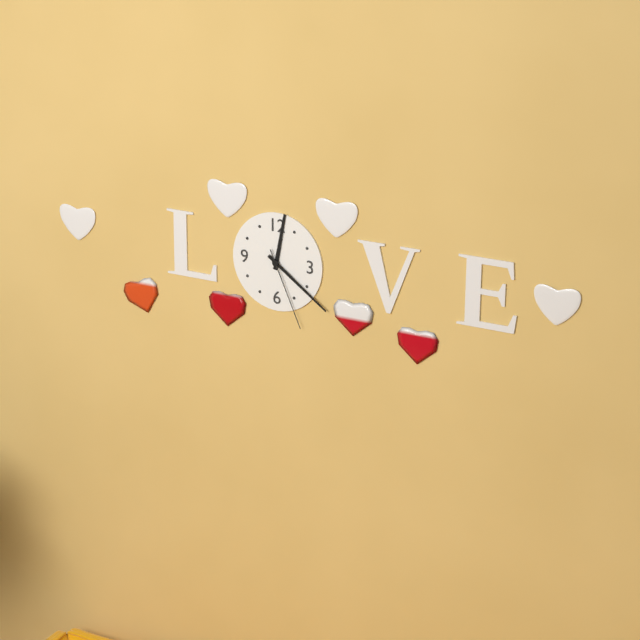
{"hour": 12, "minute": 21, "second": 26}
